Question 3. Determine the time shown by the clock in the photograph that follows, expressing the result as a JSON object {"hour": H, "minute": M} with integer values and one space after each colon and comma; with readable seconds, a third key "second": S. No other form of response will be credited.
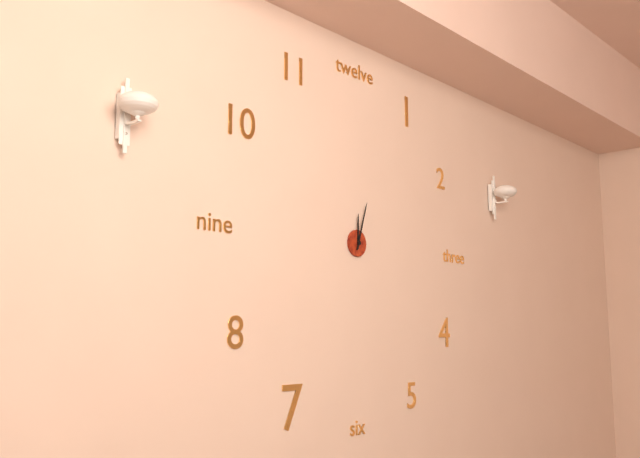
{"hour": 12, "minute": 3}
